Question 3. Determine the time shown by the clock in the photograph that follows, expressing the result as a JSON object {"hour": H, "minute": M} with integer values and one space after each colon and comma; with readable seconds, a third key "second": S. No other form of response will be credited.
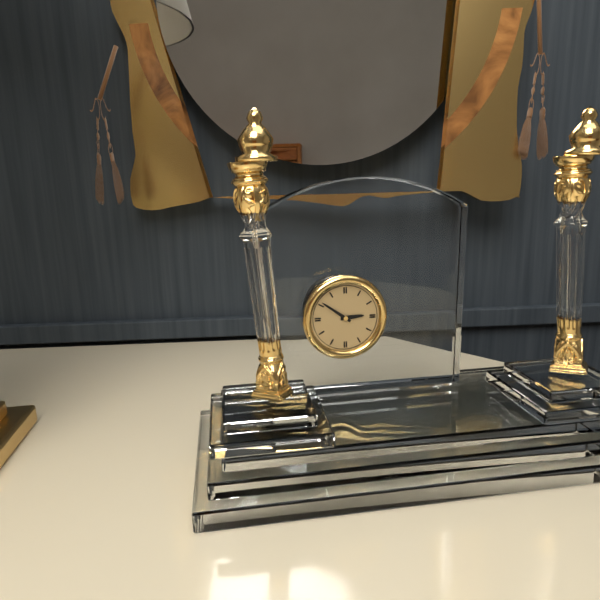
{"hour": 2, "minute": 51}
